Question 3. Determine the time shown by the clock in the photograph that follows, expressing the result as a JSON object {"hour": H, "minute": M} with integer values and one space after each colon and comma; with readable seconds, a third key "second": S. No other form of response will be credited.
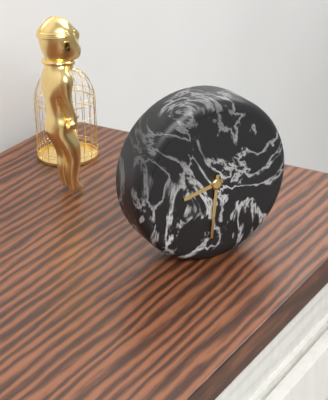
{"hour": 8, "minute": 31}
